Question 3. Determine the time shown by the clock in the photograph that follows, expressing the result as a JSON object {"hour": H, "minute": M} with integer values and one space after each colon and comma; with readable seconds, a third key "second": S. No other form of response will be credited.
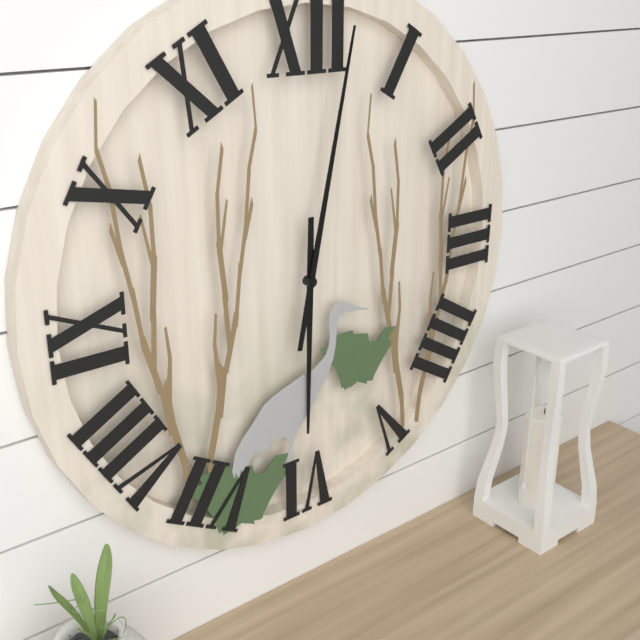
{"hour": 6, "minute": 2}
